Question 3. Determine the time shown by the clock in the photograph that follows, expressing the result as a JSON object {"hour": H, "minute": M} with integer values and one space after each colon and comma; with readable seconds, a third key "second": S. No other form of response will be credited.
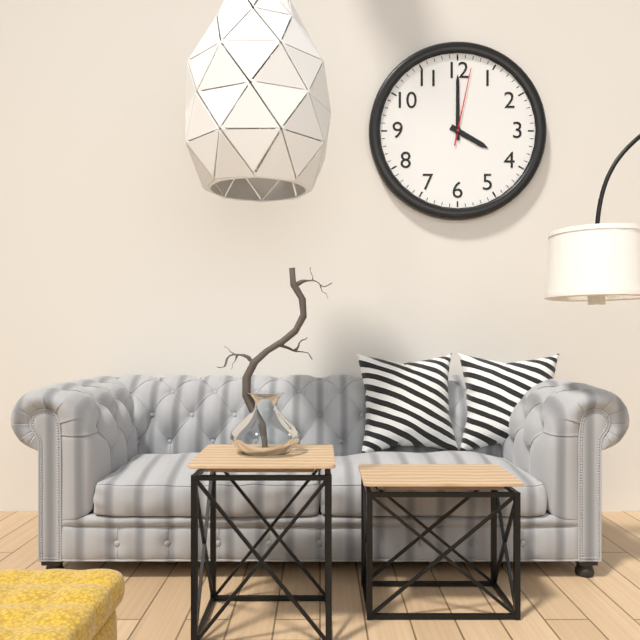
{"hour": 4, "minute": 0, "second": 2}
